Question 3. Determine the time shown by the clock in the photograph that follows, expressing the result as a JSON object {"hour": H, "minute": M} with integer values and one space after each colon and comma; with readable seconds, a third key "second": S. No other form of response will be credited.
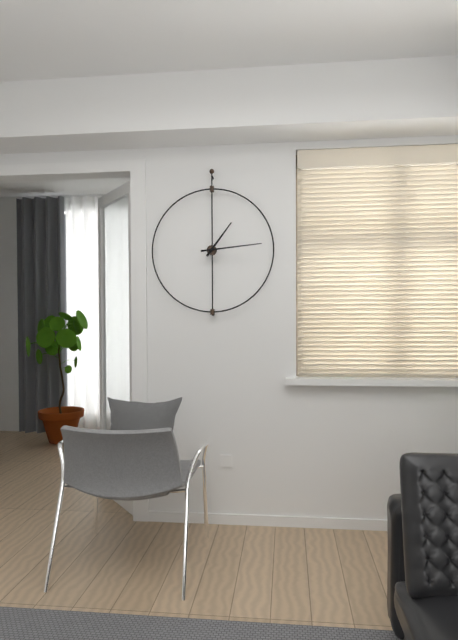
{"hour": 1, "minute": 14}
